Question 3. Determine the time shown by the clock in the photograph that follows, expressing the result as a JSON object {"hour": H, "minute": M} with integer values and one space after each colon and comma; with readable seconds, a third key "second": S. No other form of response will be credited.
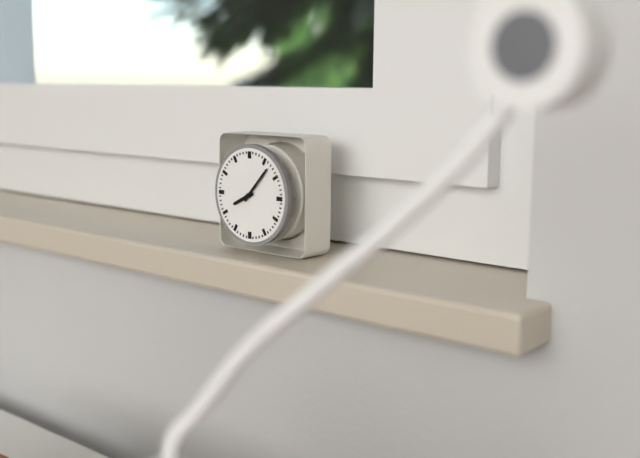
{"hour": 8, "minute": 7}
